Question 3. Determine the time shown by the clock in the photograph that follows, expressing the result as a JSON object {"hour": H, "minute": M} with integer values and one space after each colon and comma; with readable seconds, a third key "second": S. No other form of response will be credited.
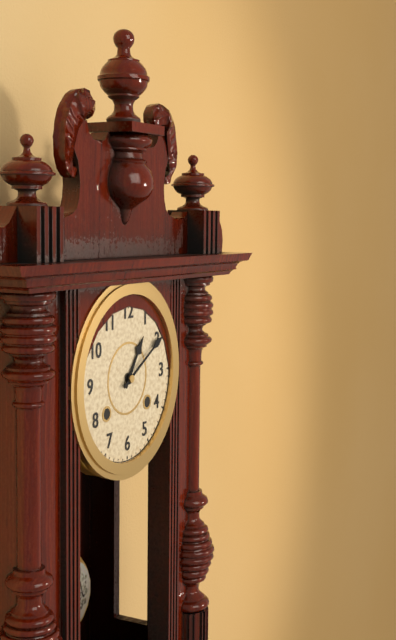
{"hour": 1, "minute": 10}
